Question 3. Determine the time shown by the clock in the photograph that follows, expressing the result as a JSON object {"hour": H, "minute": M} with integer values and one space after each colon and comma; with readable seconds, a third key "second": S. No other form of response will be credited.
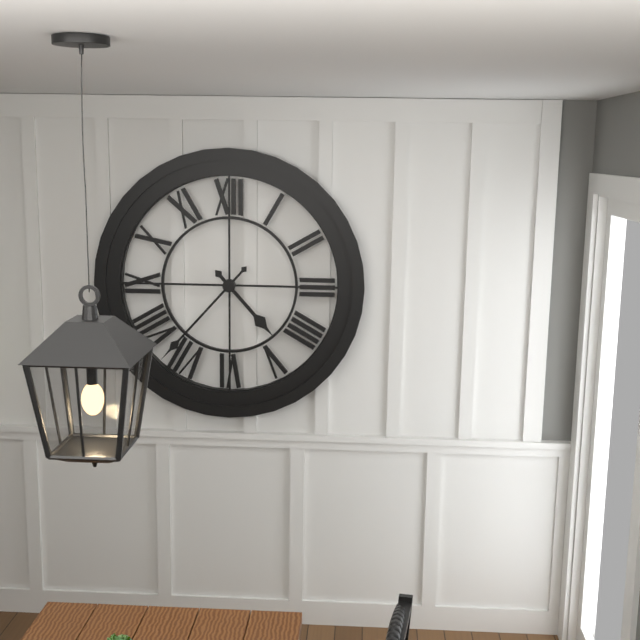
{"hour": 4, "minute": 37}
